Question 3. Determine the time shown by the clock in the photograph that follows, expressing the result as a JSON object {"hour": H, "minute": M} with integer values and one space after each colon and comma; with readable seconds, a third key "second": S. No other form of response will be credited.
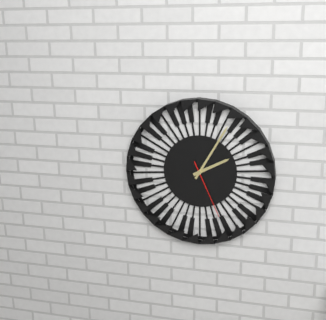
{"hour": 2, "minute": 5, "second": 26}
